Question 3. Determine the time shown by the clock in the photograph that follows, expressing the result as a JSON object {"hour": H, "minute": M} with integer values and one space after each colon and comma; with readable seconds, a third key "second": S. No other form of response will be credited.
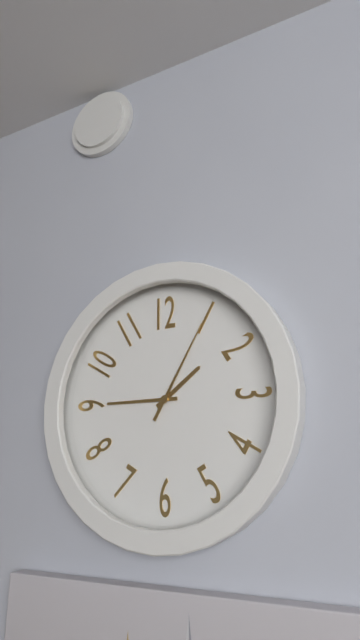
{"hour": 1, "minute": 45, "second": 5}
